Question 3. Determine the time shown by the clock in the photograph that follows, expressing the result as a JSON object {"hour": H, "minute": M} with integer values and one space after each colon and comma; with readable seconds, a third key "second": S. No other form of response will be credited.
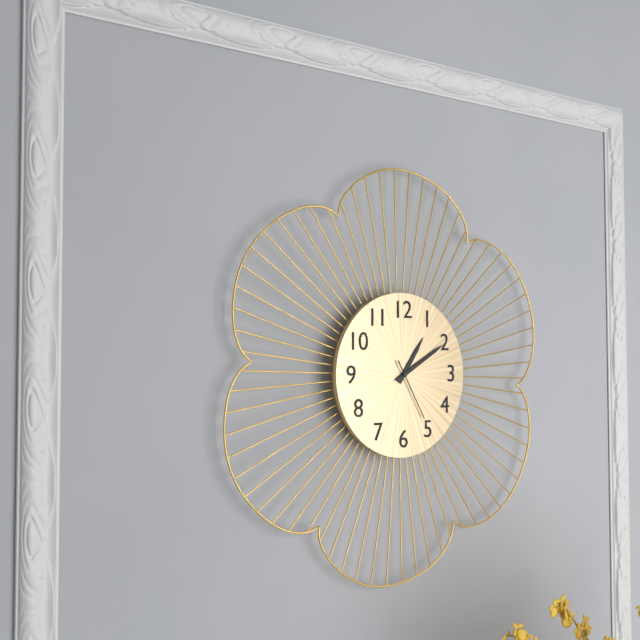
{"hour": 1, "minute": 10, "second": 25}
